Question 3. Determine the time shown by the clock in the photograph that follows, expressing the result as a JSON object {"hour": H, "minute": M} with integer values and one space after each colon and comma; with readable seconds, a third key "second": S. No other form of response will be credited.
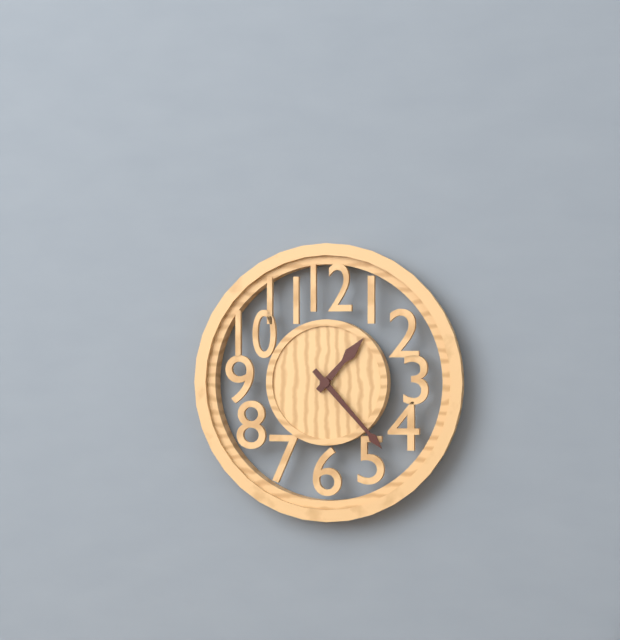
{"hour": 1, "minute": 23}
